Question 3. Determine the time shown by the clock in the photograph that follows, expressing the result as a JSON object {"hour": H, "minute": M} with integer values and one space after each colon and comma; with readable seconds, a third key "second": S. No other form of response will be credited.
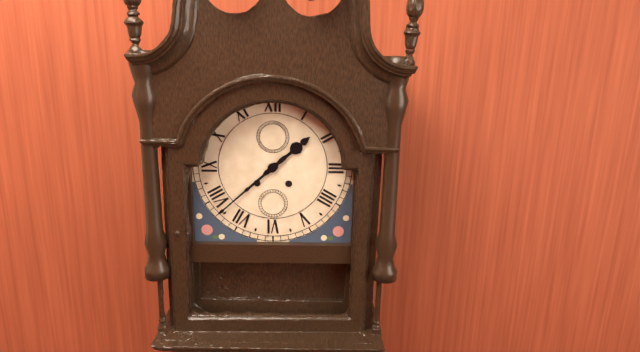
{"hour": 1, "minute": 38}
